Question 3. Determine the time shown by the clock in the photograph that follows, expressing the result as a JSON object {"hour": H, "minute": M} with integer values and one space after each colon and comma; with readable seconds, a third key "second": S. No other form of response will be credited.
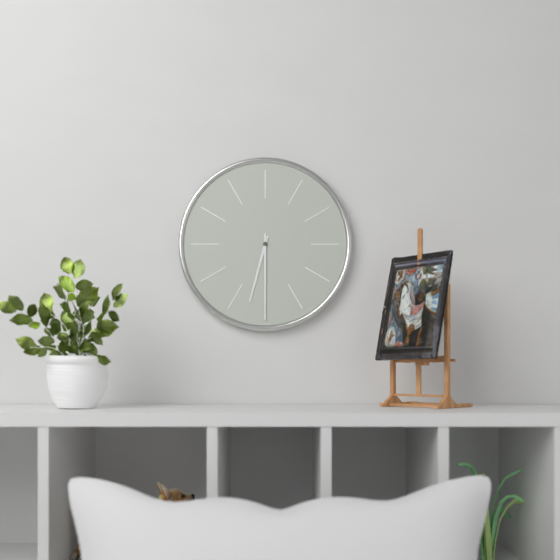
{"hour": 6, "minute": 30}
